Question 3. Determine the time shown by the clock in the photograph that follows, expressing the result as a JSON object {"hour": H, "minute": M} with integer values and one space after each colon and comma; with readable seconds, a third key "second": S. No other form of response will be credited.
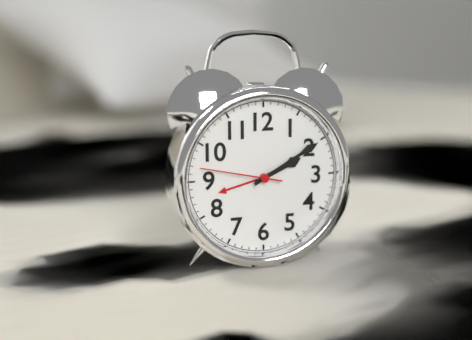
{"hour": 2, "minute": 10, "second": 47}
